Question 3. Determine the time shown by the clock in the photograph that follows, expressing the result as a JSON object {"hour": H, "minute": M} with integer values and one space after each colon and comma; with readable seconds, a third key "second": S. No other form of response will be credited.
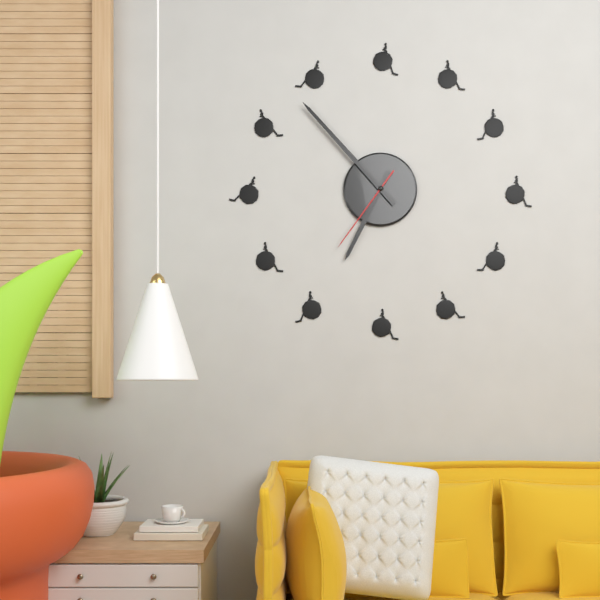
{"hour": 6, "minute": 53, "second": 36}
